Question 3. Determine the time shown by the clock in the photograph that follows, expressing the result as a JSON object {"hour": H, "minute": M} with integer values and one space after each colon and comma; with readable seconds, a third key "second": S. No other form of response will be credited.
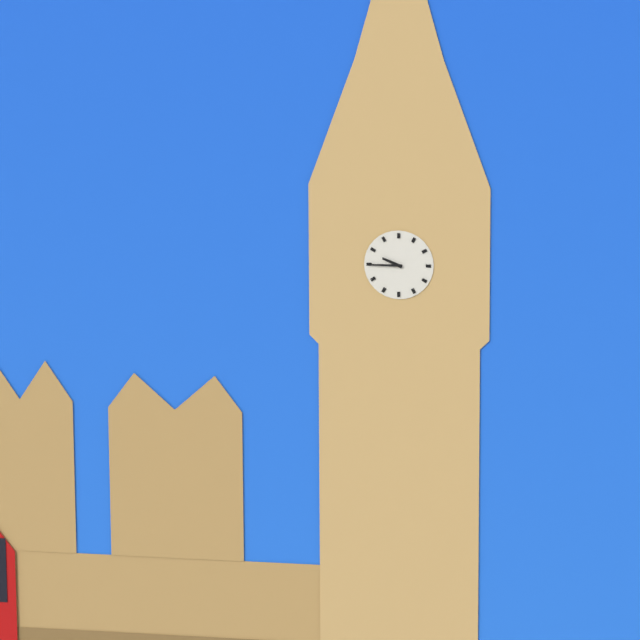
{"hour": 9, "minute": 45}
